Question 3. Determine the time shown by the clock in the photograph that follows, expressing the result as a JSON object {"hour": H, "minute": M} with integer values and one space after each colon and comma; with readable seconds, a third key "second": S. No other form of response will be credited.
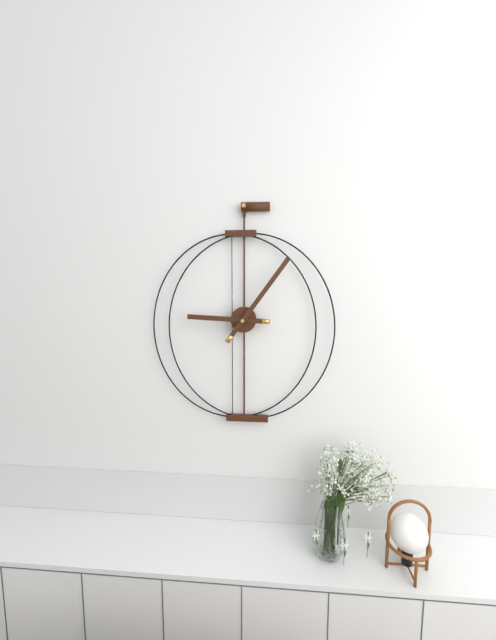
{"hour": 9, "minute": 6}
